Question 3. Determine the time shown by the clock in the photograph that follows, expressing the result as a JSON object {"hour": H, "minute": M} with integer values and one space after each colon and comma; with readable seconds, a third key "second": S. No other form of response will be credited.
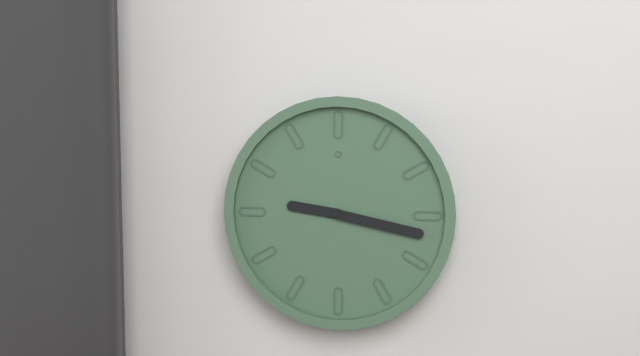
{"hour": 9, "minute": 17}
